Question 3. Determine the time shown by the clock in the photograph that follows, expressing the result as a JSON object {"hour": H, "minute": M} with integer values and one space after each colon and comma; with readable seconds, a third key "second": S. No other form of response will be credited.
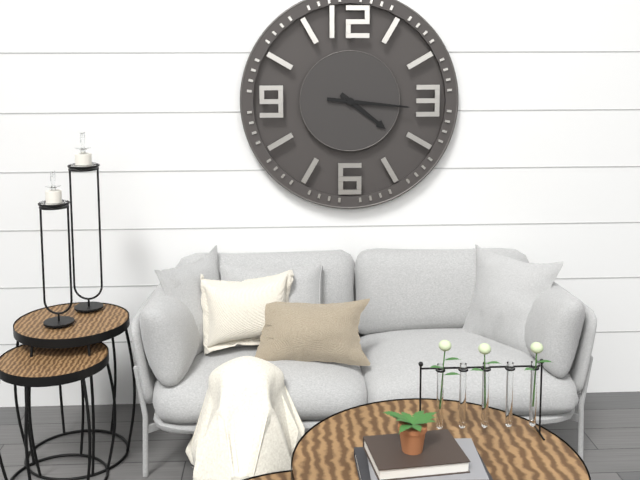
{"hour": 4, "minute": 16}
